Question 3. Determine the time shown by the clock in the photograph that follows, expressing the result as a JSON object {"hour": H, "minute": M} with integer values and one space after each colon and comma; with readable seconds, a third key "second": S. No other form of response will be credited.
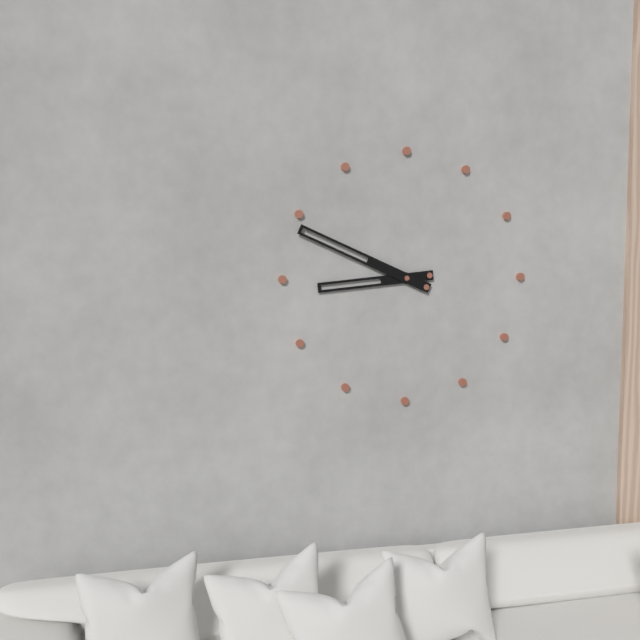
{"hour": 8, "minute": 49}
